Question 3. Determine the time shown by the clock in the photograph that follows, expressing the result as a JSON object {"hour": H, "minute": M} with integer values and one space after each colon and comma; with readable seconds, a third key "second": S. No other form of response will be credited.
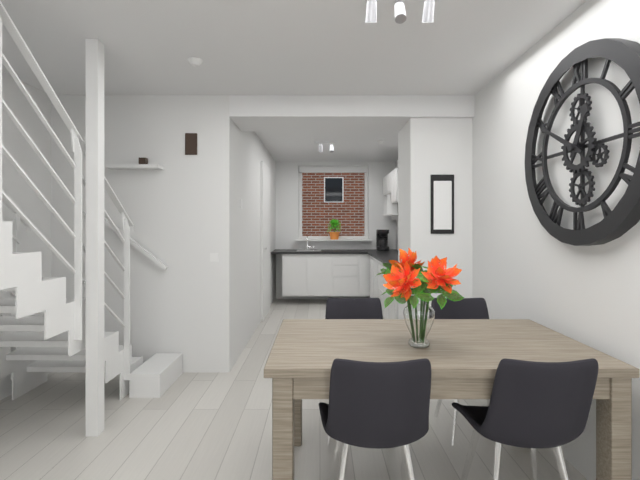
{"hour": 12, "minute": 50}
